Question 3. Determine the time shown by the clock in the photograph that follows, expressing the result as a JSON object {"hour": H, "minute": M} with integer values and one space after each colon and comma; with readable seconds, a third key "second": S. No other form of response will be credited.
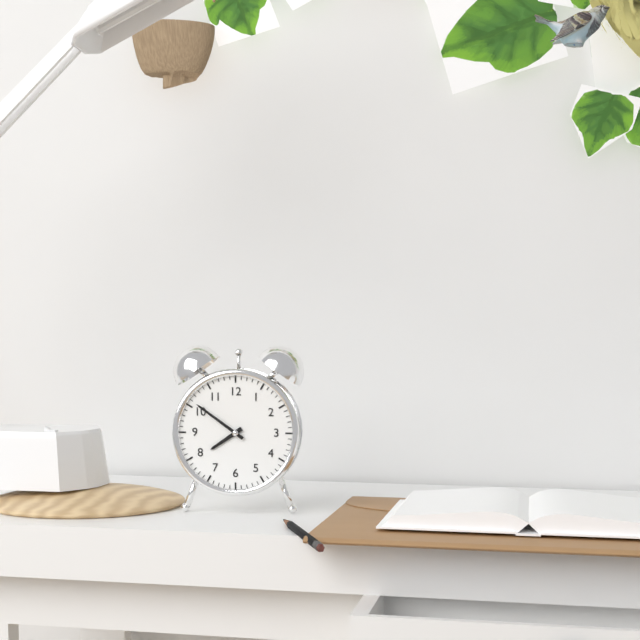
{"hour": 7, "minute": 51}
